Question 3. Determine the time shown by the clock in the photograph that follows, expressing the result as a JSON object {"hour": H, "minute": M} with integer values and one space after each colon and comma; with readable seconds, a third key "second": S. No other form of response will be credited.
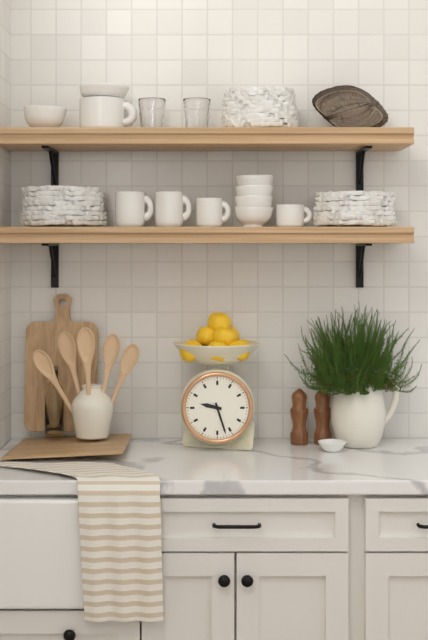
{"hour": 9, "minute": 27}
